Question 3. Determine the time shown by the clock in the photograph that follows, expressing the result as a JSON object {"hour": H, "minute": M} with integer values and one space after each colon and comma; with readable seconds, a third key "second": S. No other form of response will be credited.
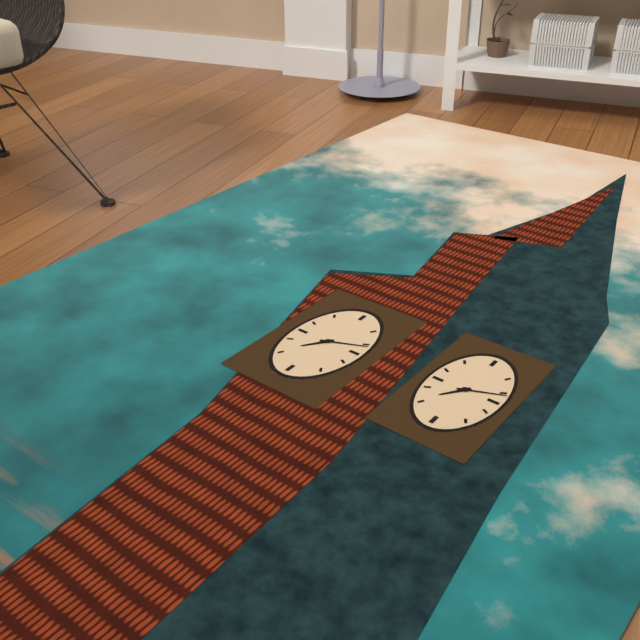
{"hour": 7, "minute": 11}
